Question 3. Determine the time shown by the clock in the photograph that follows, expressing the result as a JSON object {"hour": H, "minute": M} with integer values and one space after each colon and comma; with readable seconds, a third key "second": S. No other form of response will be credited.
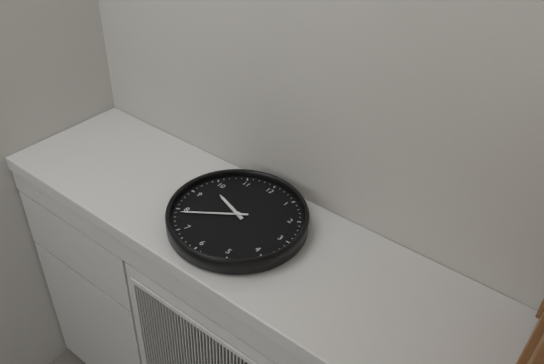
{"hour": 9, "minute": 39}
